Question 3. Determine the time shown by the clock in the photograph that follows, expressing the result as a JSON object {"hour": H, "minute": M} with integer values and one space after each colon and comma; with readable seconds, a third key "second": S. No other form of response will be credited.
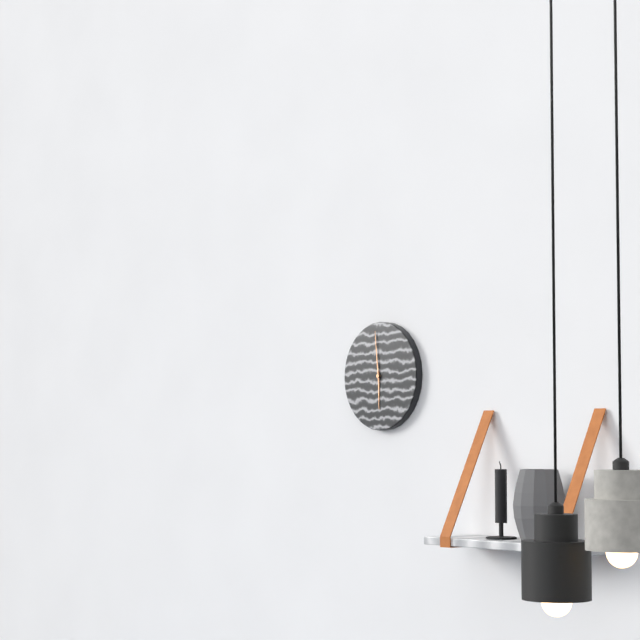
{"hour": 5, "minute": 59}
